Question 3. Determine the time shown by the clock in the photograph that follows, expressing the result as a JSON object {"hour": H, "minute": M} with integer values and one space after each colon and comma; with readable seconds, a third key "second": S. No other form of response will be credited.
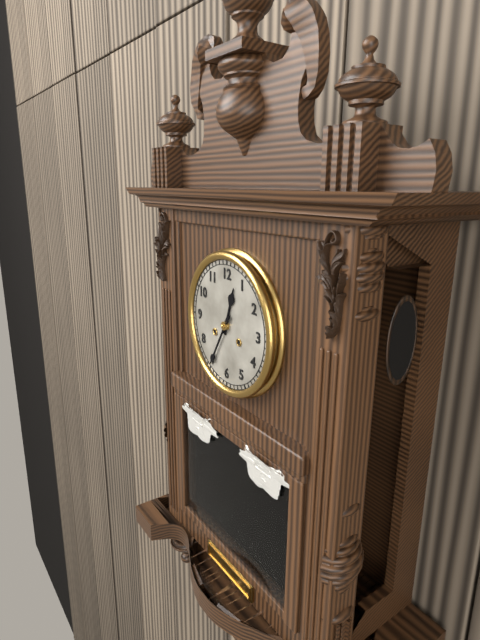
{"hour": 12, "minute": 35}
